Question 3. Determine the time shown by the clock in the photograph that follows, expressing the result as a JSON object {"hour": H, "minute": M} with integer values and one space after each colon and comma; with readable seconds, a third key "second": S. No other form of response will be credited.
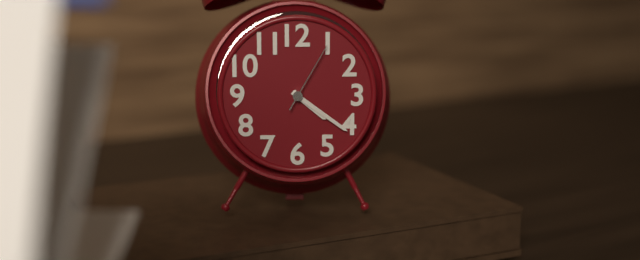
{"hour": 4, "minute": 21, "second": 5}
